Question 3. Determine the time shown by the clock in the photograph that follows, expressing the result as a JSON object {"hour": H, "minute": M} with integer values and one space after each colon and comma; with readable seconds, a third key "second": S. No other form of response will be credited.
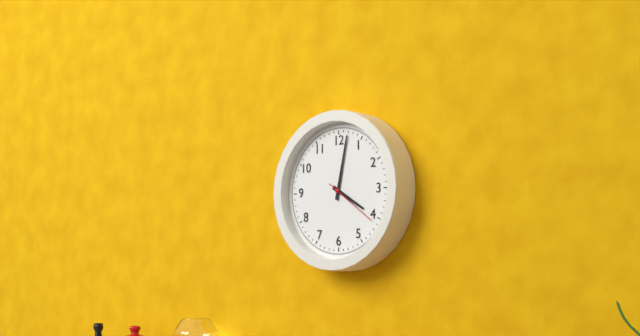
{"hour": 4, "minute": 2, "second": 21}
